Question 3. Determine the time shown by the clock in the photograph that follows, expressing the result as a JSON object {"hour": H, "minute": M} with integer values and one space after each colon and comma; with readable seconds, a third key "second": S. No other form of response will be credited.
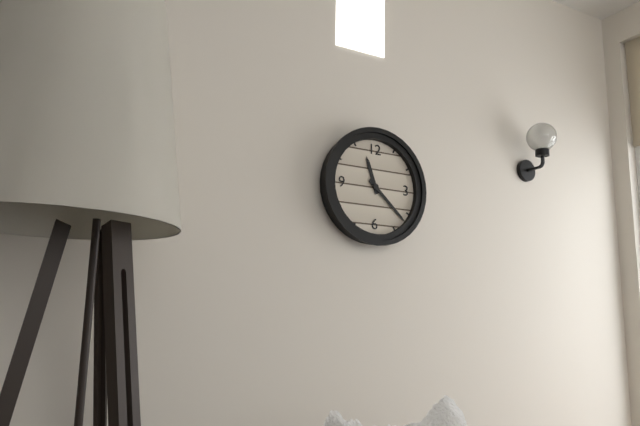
{"hour": 11, "minute": 22}
